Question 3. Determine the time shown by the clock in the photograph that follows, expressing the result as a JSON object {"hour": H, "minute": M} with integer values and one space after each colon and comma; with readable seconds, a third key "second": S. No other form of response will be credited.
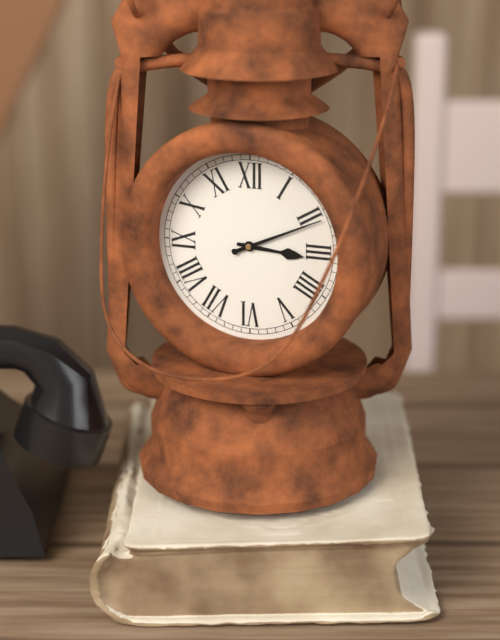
{"hour": 3, "minute": 11}
